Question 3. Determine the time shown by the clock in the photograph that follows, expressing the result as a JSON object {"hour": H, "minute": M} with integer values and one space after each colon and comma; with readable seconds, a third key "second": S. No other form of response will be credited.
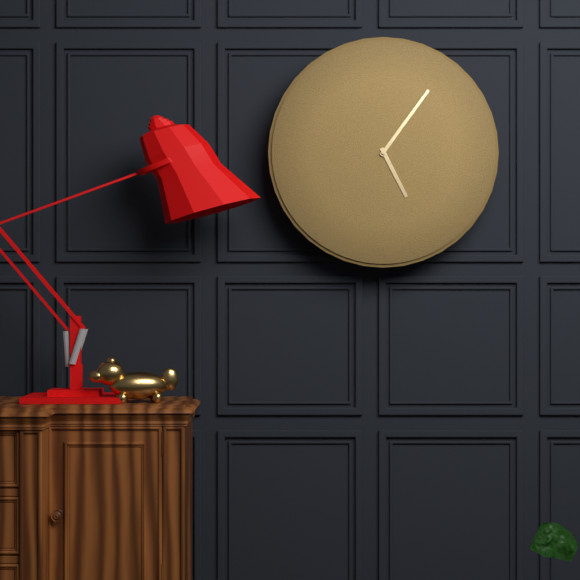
{"hour": 5, "minute": 6}
